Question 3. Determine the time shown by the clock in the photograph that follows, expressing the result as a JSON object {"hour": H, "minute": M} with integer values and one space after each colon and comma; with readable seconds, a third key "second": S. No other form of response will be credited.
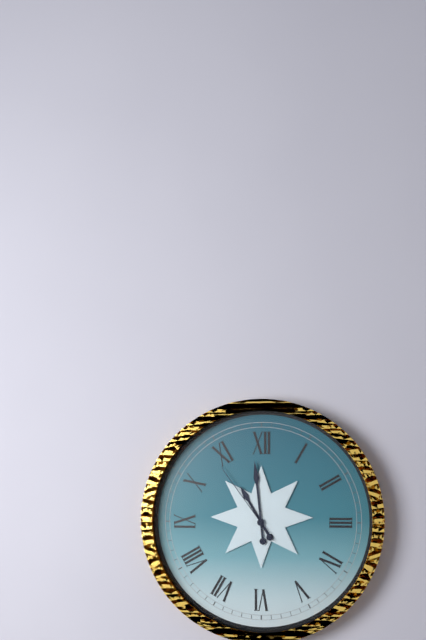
{"hour": 10, "minute": 59, "second": 54}
